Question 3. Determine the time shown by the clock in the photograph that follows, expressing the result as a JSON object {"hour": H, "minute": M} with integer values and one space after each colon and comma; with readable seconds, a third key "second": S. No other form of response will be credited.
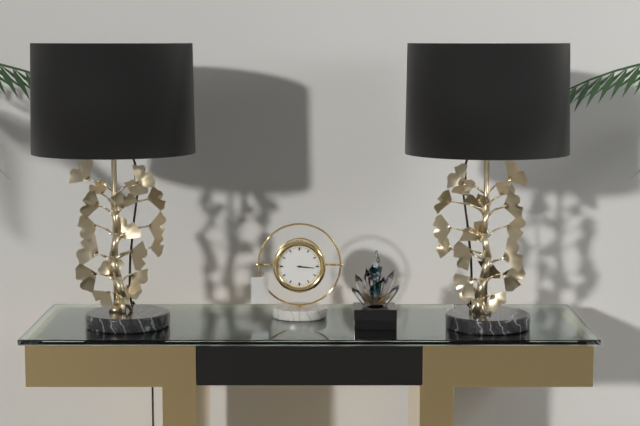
{"hour": 3, "minute": 16}
